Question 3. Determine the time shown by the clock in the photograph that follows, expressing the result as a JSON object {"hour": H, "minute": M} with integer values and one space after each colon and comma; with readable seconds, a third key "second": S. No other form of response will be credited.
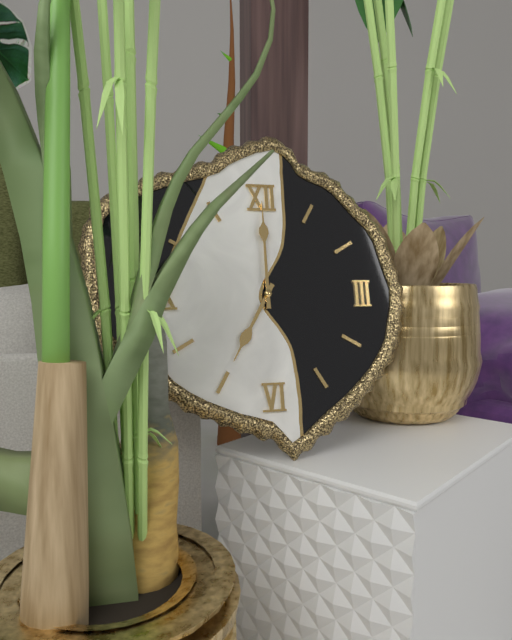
{"hour": 7, "minute": 0}
